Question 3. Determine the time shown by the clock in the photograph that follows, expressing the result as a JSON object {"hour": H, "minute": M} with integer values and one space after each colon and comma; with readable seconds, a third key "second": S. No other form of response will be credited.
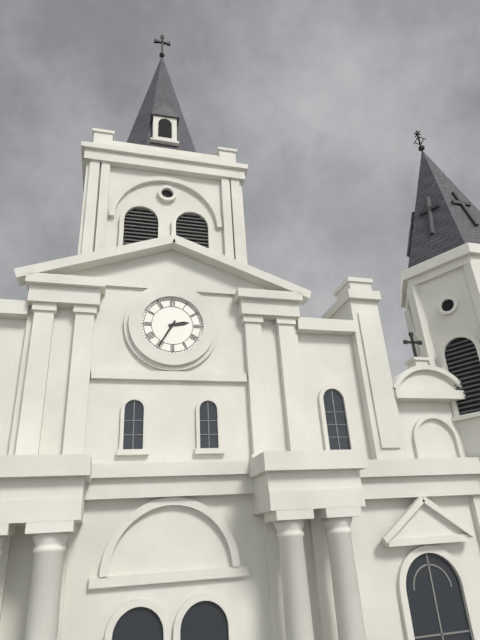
{"hour": 2, "minute": 35}
